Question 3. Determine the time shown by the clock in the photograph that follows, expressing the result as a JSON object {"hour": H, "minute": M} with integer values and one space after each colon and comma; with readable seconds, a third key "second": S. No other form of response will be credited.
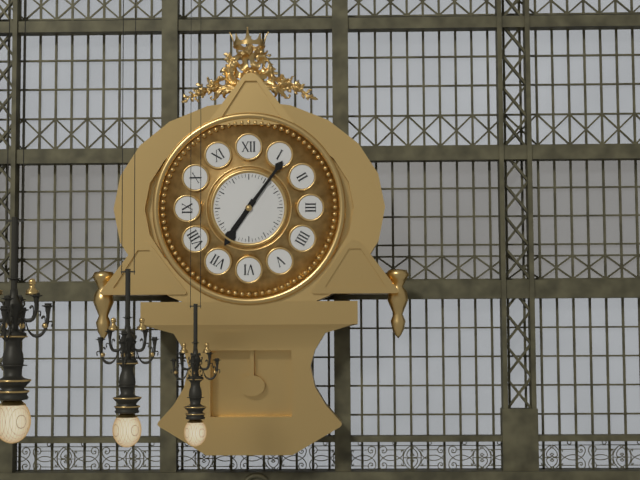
{"hour": 7, "minute": 6}
